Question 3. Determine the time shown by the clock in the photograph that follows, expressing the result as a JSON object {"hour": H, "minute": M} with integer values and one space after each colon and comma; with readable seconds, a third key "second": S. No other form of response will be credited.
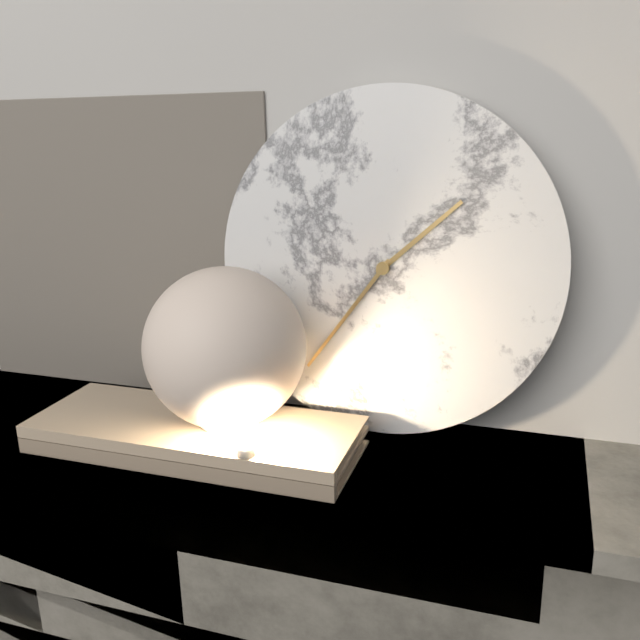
{"hour": 1, "minute": 36}
